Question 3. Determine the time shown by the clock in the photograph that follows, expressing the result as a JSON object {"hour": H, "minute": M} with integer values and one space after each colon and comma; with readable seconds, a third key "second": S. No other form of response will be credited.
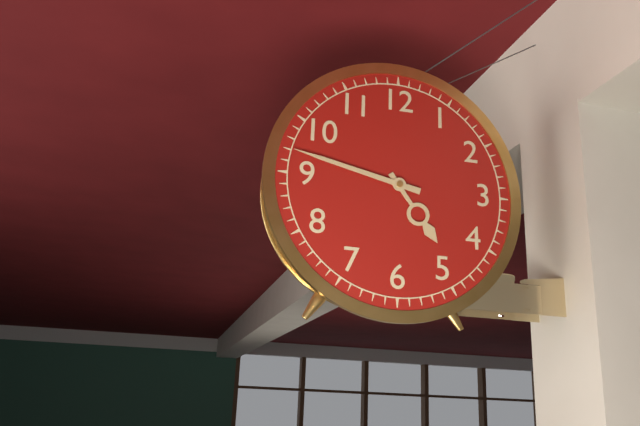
{"hour": 4, "minute": 47}
